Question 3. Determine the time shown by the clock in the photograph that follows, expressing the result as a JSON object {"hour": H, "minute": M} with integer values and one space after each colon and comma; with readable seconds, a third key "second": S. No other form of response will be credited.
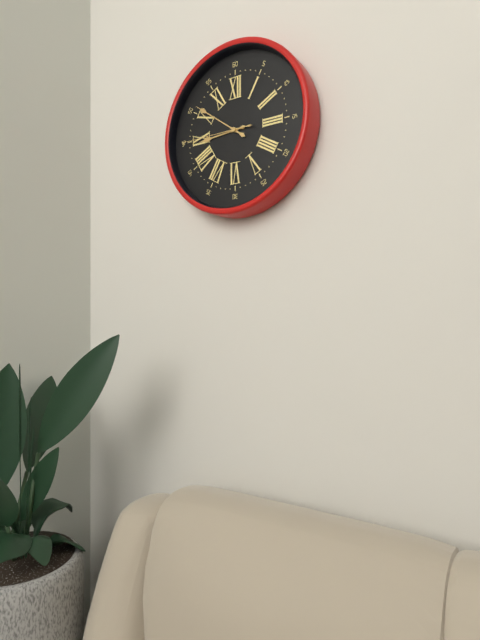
{"hour": 8, "minute": 51, "second": 45}
